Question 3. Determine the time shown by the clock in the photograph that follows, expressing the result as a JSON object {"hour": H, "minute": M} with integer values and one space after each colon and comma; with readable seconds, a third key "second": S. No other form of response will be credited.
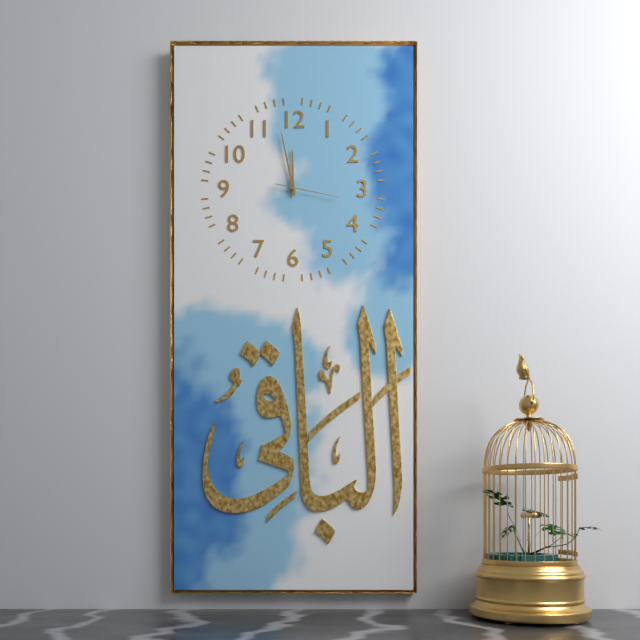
{"hour": 11, "minute": 58, "second": 17}
